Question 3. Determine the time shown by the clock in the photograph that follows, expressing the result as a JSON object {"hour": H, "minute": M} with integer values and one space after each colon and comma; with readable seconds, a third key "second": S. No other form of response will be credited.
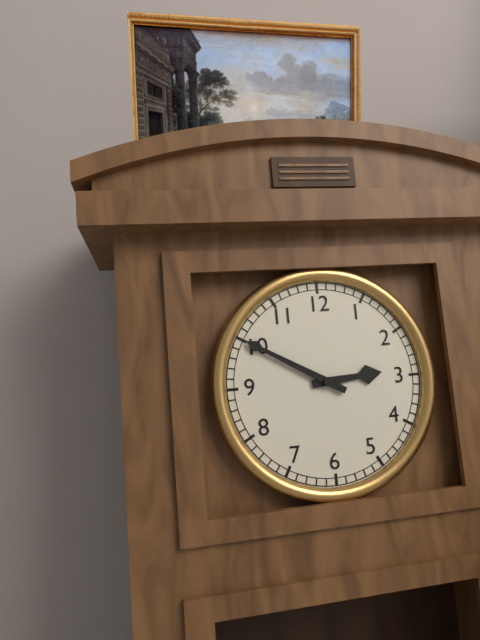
{"hour": 2, "minute": 50}
